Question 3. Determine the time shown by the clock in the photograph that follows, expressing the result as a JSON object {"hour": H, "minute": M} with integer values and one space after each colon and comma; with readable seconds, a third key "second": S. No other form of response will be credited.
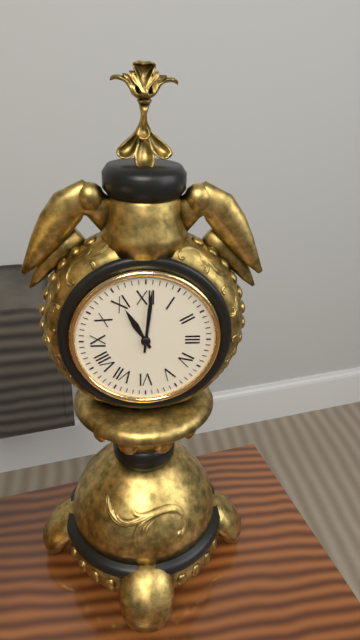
{"hour": 11, "minute": 1}
